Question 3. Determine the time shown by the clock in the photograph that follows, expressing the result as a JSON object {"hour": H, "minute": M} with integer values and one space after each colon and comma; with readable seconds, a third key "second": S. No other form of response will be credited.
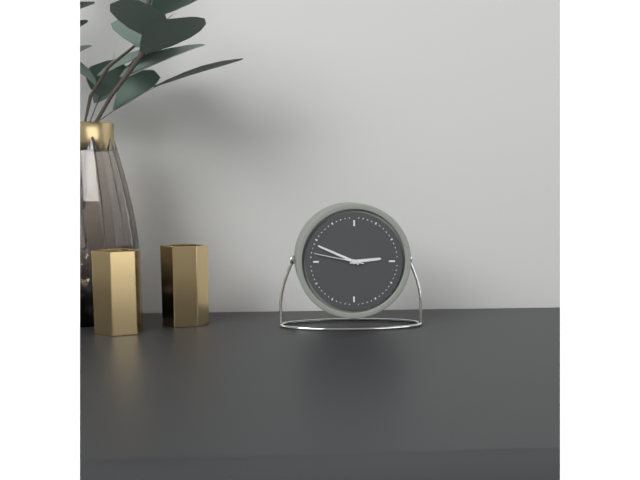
{"hour": 2, "minute": 49, "second": 47}
